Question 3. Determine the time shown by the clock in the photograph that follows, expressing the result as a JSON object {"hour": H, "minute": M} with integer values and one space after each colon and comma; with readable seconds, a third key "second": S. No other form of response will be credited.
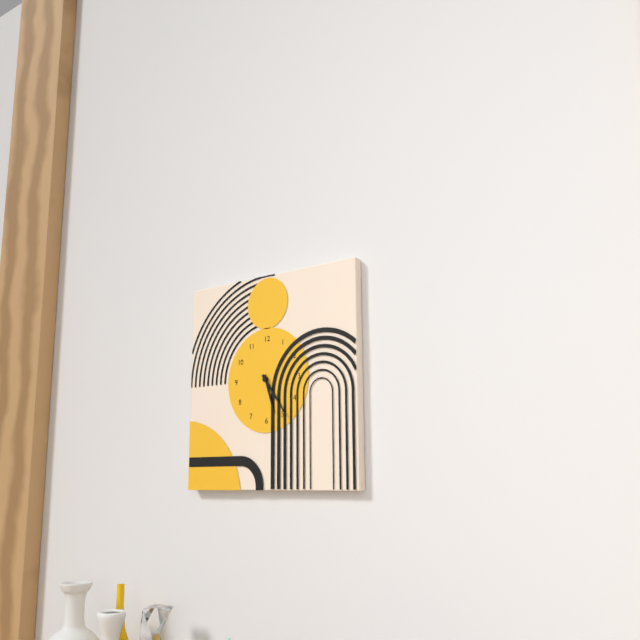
{"hour": 5, "minute": 24}
